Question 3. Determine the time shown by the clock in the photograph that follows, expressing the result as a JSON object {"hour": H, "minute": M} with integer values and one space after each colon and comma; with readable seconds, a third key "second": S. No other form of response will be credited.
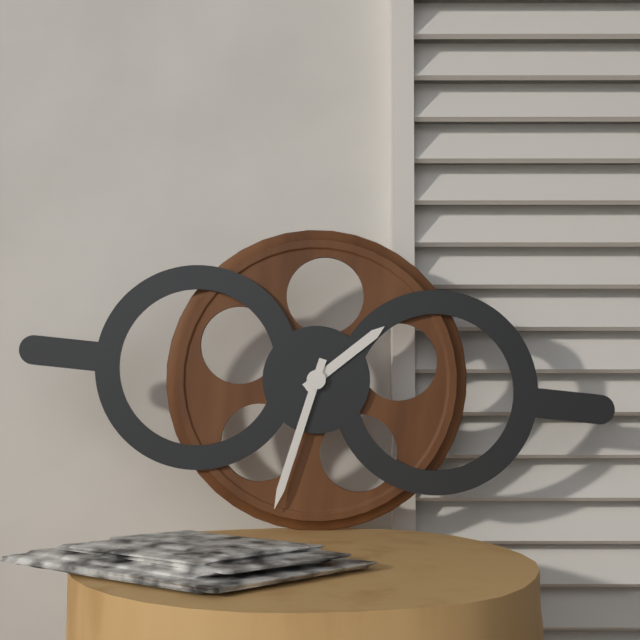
{"hour": 1, "minute": 32}
